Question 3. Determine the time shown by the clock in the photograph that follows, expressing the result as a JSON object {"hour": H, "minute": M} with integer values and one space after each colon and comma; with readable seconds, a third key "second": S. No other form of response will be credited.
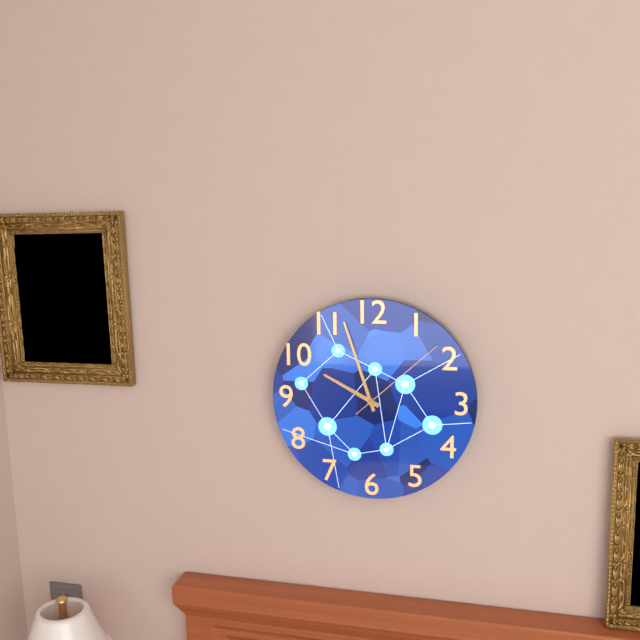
{"hour": 9, "minute": 57, "second": 8}
